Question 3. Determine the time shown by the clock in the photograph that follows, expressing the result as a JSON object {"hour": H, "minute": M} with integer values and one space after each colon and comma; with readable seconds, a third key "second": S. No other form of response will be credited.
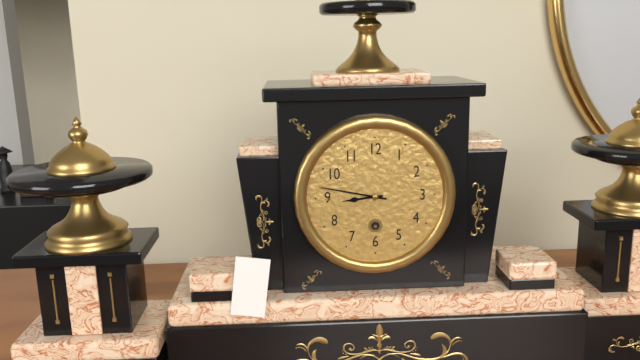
{"hour": 8, "minute": 47}
